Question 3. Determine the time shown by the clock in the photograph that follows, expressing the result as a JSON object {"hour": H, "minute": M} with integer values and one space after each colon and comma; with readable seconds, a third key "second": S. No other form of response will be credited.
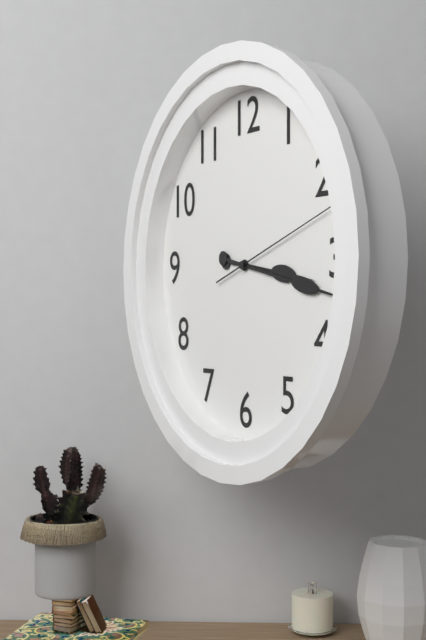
{"hour": 3, "minute": 17, "second": 12}
